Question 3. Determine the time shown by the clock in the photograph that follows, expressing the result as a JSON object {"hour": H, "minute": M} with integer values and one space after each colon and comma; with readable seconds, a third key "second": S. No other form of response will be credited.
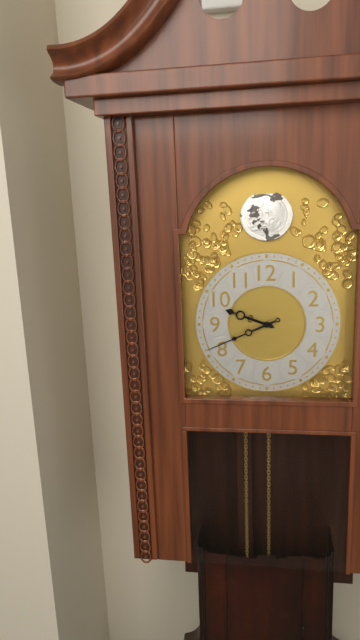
{"hour": 9, "minute": 41}
